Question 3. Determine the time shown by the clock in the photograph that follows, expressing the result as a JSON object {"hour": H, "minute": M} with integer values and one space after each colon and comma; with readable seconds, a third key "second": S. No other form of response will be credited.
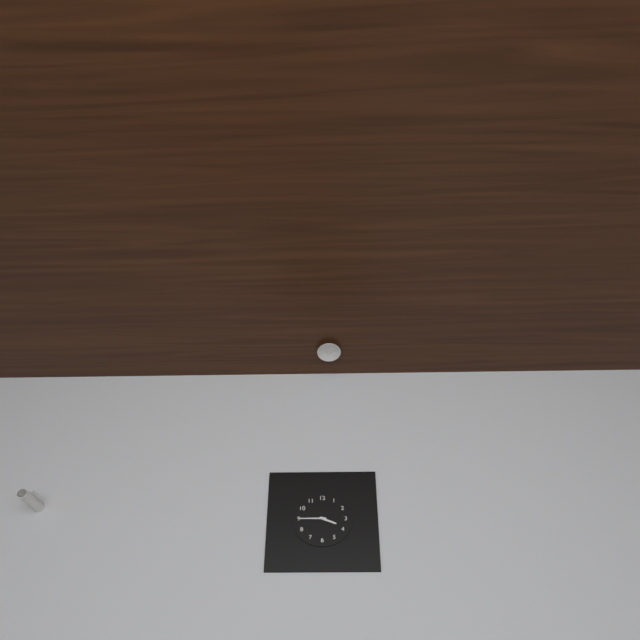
{"hour": 3, "minute": 45}
